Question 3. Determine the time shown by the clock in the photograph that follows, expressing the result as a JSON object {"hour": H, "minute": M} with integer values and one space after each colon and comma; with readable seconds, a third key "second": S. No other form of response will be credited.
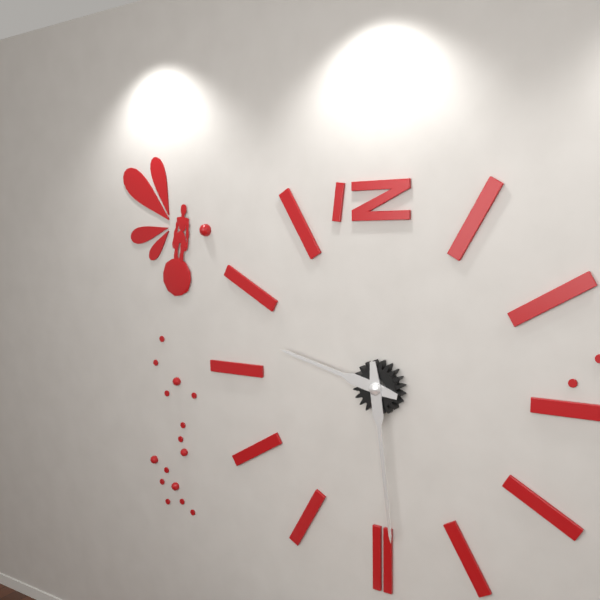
{"hour": 9, "minute": 29}
